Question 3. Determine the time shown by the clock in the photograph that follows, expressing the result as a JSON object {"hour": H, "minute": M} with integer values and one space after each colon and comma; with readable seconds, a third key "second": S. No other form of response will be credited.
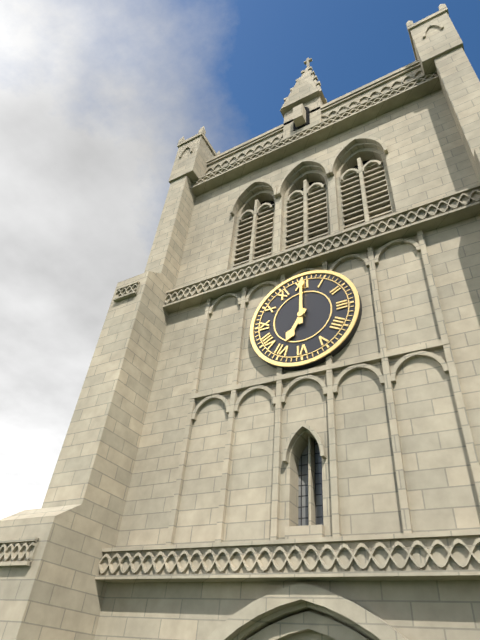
{"hour": 7, "minute": 0}
